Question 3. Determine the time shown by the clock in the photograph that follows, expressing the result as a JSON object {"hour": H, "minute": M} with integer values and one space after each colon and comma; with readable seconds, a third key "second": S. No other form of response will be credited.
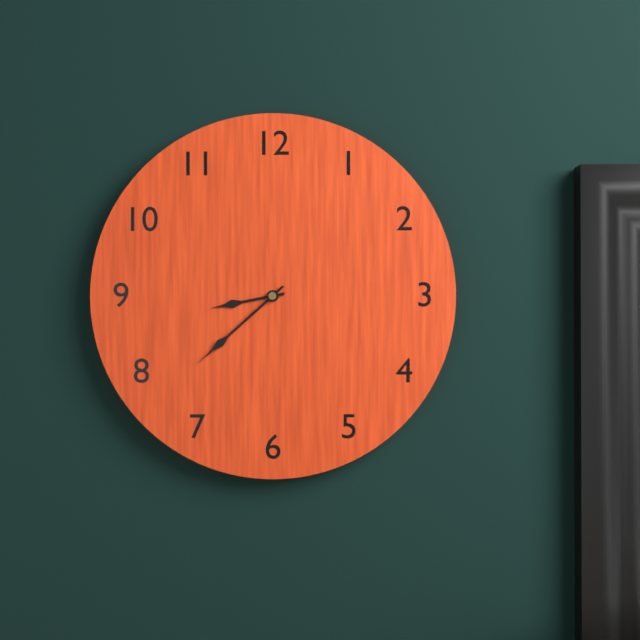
{"hour": 8, "minute": 38}
